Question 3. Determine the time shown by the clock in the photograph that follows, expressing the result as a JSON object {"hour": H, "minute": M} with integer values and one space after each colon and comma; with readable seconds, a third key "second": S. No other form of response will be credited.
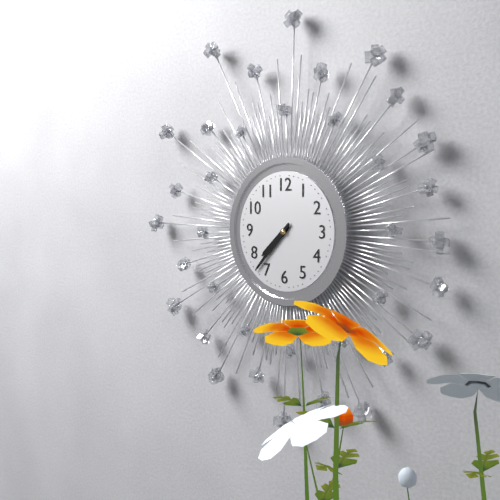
{"hour": 7, "minute": 37}
